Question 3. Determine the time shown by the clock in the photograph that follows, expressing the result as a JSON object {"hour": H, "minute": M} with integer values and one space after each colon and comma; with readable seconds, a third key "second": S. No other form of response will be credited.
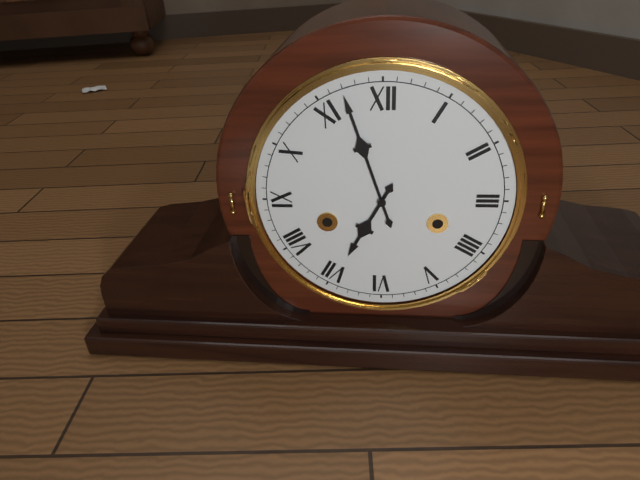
{"hour": 6, "minute": 57}
